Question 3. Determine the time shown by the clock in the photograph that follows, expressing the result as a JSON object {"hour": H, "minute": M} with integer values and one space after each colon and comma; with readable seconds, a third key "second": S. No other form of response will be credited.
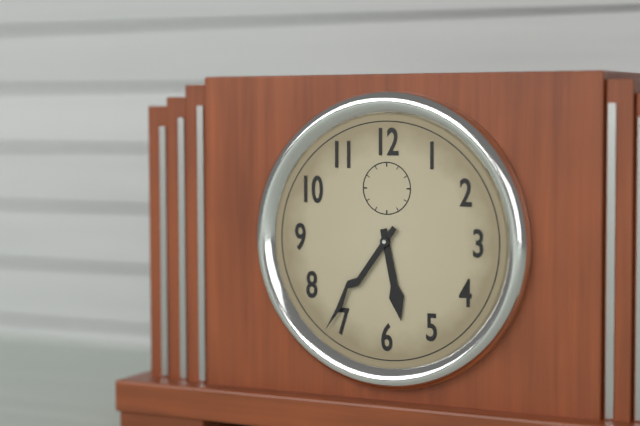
{"hour": 5, "minute": 36}
